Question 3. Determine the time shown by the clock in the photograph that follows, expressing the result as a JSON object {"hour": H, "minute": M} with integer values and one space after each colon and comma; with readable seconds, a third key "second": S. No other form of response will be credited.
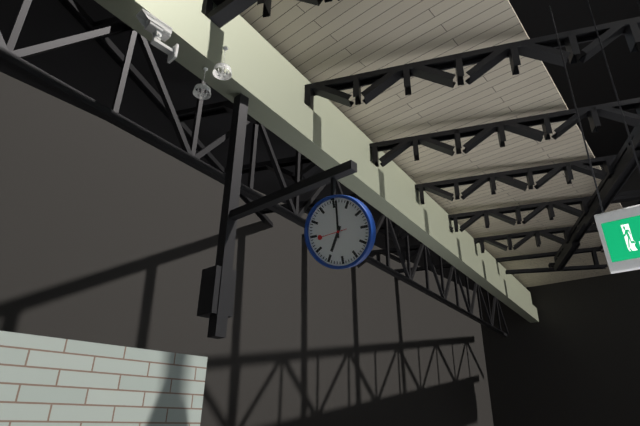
{"hour": 7, "minute": 1}
